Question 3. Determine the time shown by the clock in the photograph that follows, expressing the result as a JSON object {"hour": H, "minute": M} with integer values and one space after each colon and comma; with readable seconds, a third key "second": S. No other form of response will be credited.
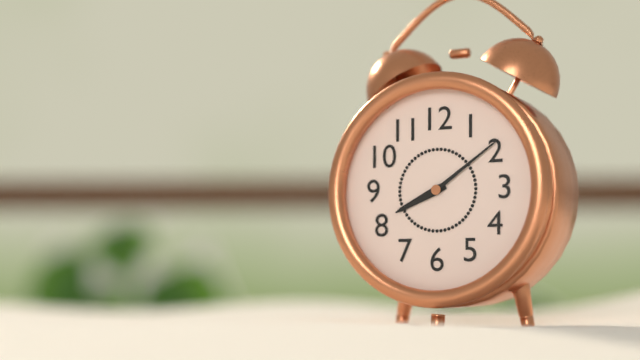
{"hour": 8, "minute": 9}
